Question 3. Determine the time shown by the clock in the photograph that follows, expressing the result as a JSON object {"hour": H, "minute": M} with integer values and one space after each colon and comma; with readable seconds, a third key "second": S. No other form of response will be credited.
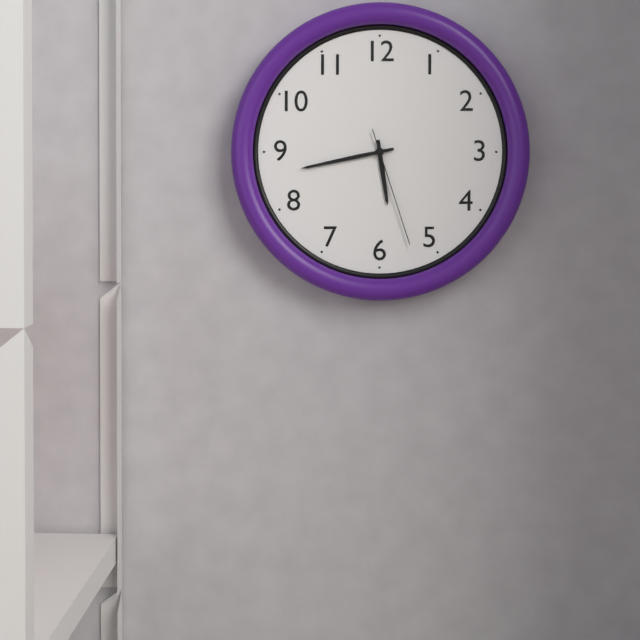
{"hour": 5, "minute": 43, "second": 27}
